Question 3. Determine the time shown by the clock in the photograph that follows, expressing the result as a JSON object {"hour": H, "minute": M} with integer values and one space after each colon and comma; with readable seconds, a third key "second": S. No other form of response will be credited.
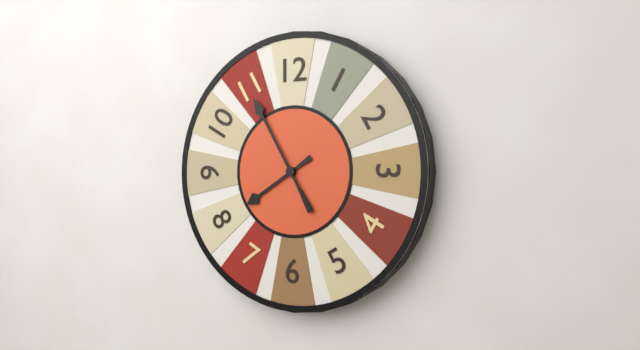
{"hour": 7, "minute": 55}
